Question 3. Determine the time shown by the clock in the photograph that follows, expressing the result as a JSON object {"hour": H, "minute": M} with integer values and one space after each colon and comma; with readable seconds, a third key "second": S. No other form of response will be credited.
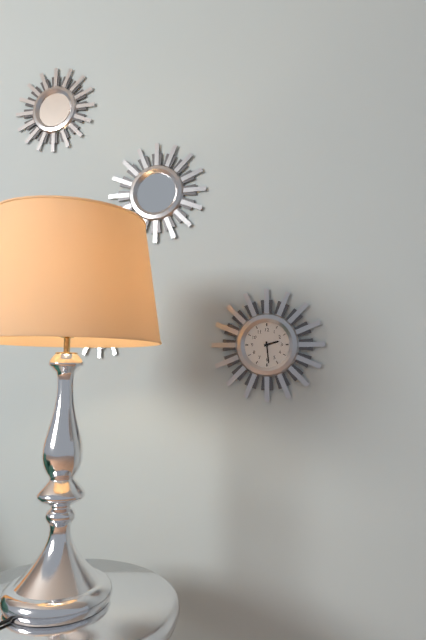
{"hour": 2, "minute": 29}
